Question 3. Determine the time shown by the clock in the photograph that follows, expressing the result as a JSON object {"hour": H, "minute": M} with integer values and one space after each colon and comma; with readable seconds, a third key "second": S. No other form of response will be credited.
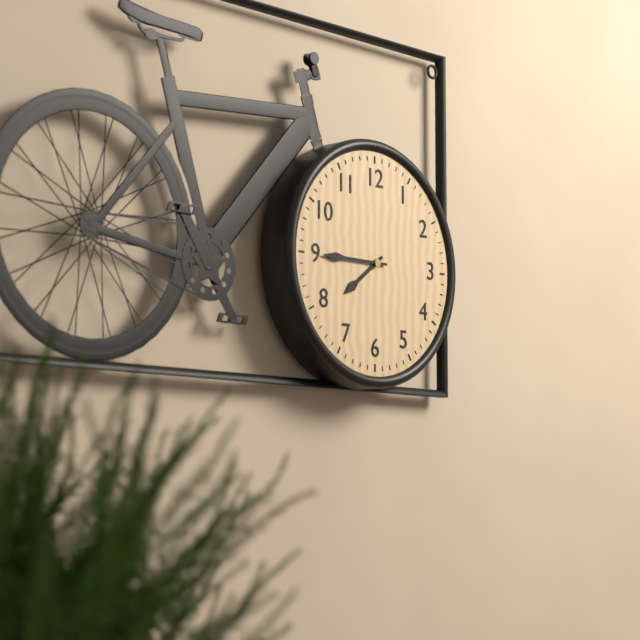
{"hour": 7, "minute": 45}
